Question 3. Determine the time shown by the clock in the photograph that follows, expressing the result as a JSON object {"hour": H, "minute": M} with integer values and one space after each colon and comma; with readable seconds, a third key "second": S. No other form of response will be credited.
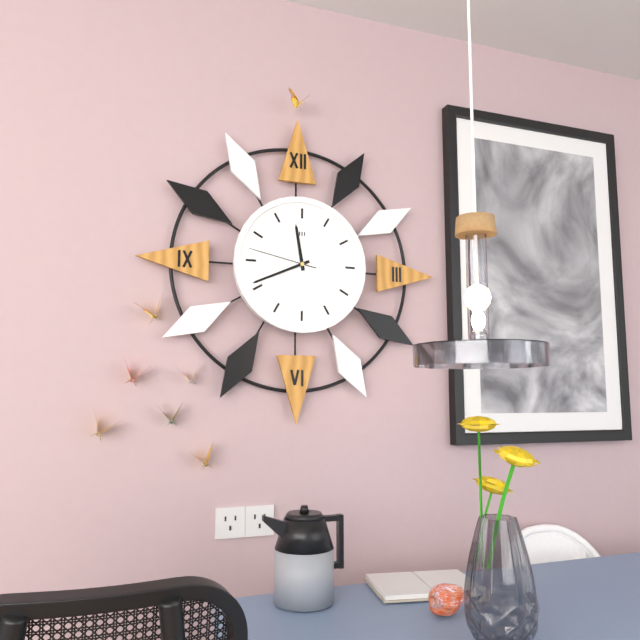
{"hour": 11, "minute": 41, "second": 47}
